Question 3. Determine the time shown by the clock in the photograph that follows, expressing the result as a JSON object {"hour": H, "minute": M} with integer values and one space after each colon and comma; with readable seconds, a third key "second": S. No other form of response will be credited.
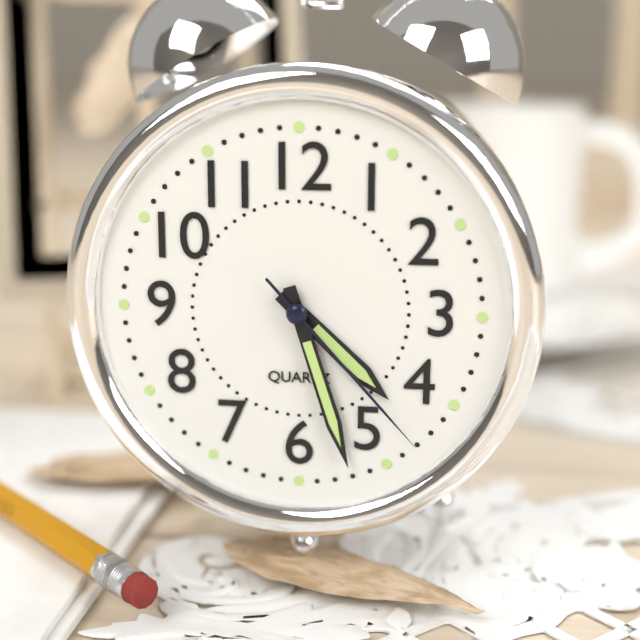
{"hour": 4, "minute": 27, "second": 23}
